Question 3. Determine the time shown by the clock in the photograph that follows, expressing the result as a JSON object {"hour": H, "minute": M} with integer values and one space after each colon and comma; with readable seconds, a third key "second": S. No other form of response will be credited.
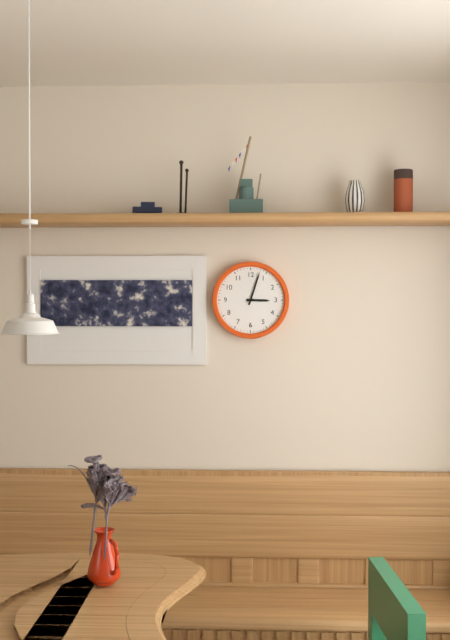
{"hour": 3, "minute": 3}
